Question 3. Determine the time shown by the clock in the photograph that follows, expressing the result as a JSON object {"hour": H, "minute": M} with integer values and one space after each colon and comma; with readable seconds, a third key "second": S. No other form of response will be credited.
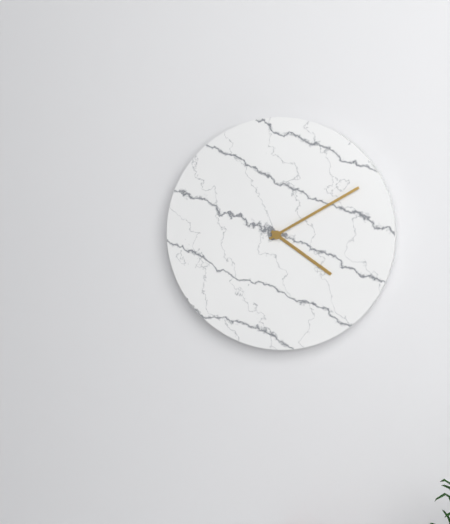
{"hour": 4, "minute": 10}
